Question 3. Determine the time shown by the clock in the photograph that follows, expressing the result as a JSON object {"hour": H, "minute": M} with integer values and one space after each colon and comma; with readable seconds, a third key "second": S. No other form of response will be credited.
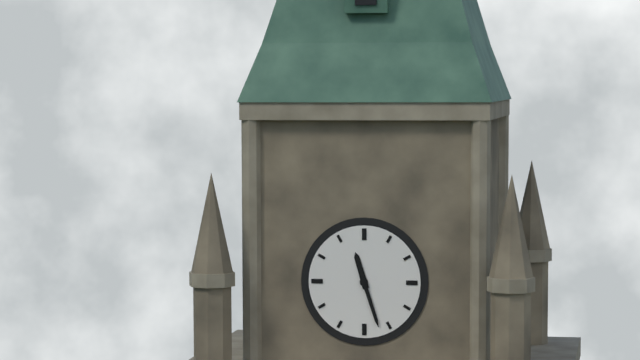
{"hour": 11, "minute": 27}
